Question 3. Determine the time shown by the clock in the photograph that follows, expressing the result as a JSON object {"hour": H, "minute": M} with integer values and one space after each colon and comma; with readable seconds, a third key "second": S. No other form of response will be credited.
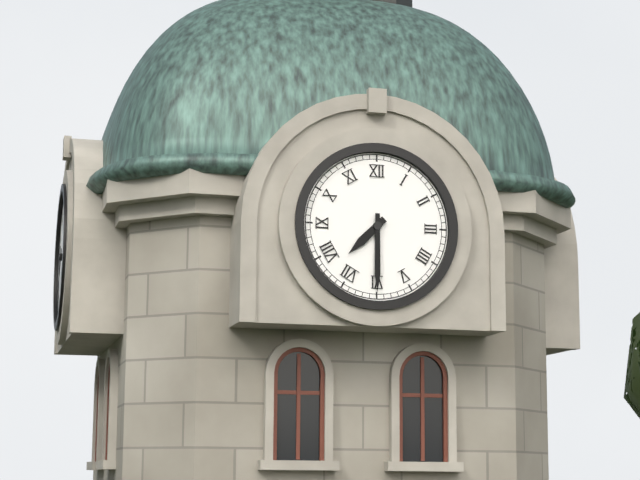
{"hour": 7, "minute": 30}
